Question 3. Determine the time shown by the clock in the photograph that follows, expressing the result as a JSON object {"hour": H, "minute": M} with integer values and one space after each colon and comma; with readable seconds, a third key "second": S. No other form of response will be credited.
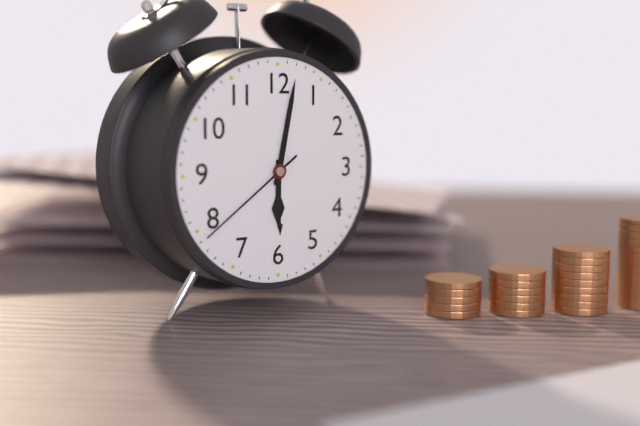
{"hour": 6, "minute": 2, "second": 39}
